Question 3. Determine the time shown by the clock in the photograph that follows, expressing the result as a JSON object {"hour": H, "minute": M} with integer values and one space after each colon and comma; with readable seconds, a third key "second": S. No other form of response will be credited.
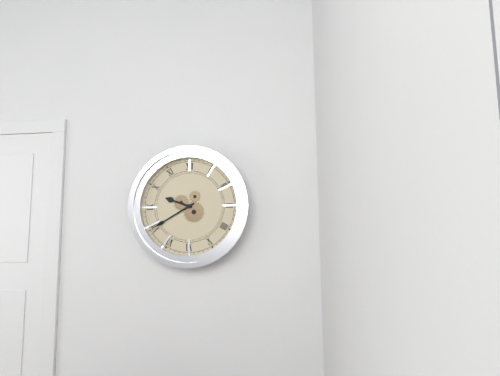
{"hour": 9, "minute": 40}
